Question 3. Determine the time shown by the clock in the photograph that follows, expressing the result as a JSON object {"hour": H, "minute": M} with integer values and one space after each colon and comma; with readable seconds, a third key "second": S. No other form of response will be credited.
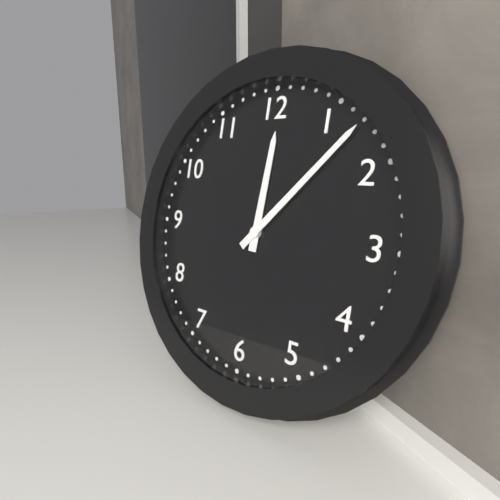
{"hour": 12, "minute": 7}
